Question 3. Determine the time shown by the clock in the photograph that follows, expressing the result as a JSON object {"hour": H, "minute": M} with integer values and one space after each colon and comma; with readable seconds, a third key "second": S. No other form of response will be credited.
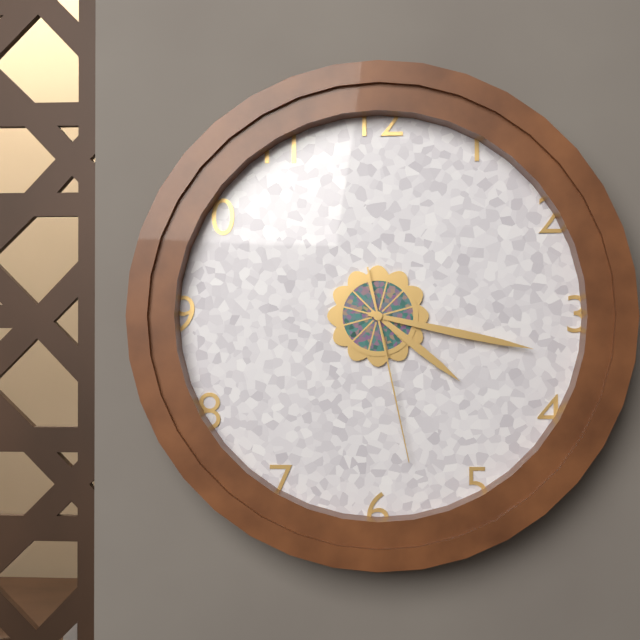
{"hour": 4, "minute": 17, "second": 28}
